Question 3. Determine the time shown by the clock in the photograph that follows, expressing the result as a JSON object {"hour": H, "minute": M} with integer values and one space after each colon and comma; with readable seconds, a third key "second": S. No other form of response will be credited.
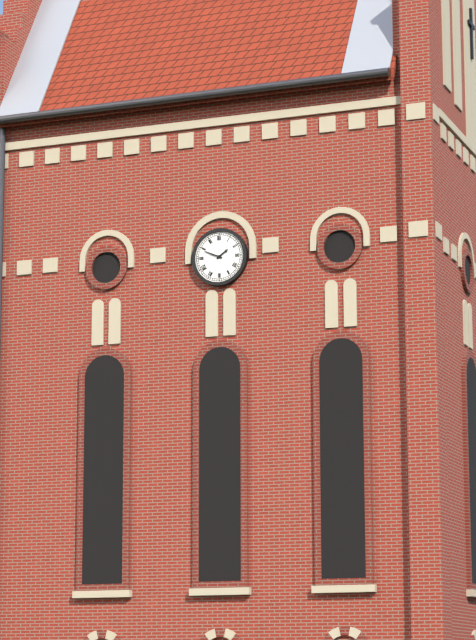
{"hour": 1, "minute": 49}
